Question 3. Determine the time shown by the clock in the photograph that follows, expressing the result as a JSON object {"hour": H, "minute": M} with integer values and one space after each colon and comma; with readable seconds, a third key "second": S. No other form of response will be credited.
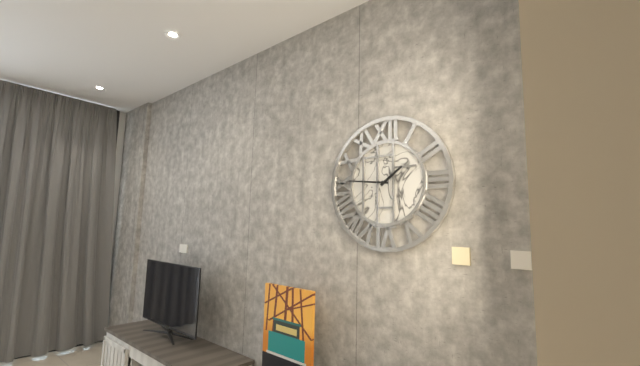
{"hour": 1, "minute": 46}
